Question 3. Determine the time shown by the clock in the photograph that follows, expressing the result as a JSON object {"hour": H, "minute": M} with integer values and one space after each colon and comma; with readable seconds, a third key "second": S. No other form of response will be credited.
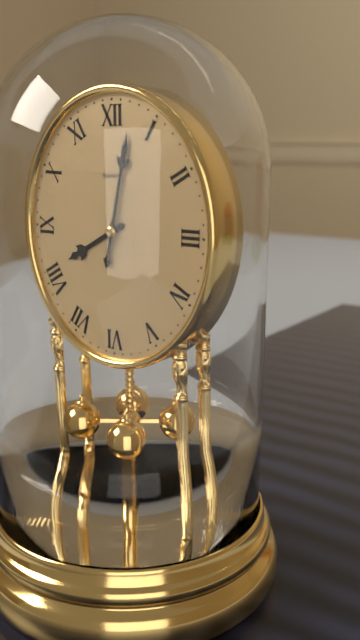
{"hour": 8, "minute": 2}
